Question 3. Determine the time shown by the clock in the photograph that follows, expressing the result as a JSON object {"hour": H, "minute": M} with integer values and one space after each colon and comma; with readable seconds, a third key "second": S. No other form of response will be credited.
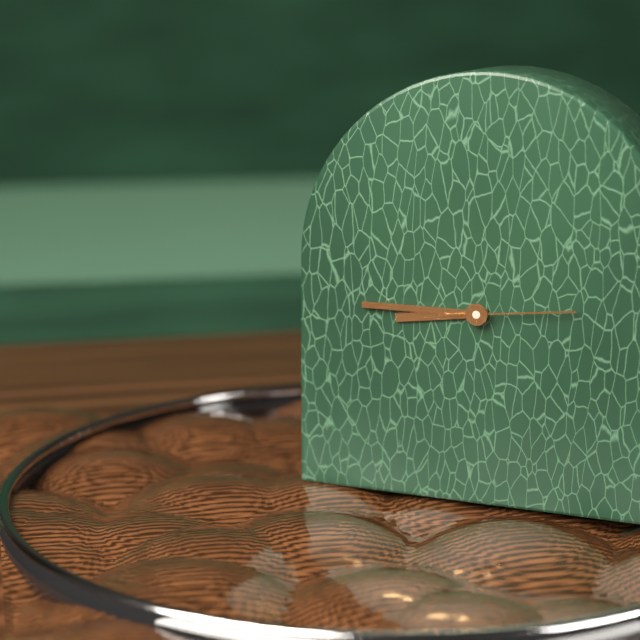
{"hour": 8, "minute": 45, "second": 14}
